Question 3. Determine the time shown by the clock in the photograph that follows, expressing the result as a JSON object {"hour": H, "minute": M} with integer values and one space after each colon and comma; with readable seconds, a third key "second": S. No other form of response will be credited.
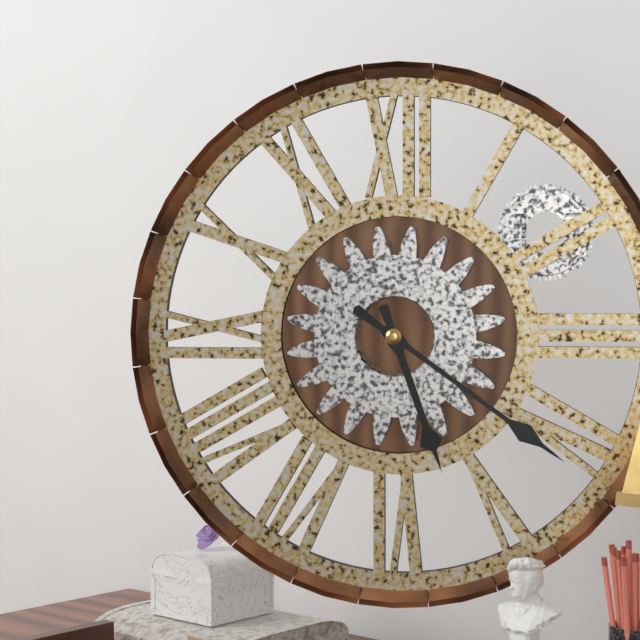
{"hour": 5, "minute": 21}
